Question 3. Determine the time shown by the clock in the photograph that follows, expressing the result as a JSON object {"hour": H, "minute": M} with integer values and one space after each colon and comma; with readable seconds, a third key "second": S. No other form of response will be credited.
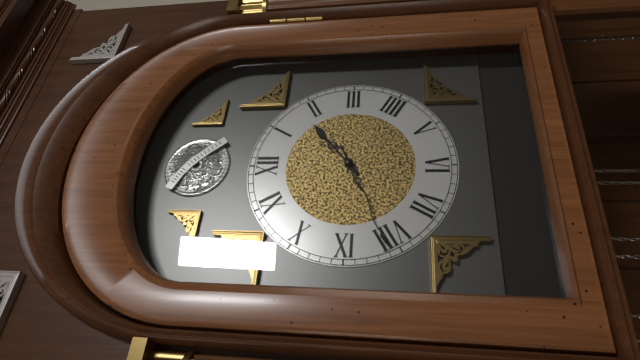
{"hour": 1, "minute": 41}
